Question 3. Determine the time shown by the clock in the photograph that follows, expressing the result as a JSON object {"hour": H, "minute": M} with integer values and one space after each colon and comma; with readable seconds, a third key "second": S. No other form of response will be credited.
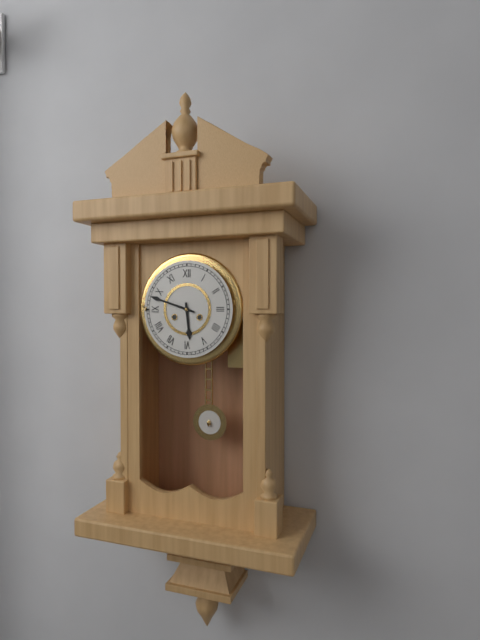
{"hour": 5, "minute": 48}
